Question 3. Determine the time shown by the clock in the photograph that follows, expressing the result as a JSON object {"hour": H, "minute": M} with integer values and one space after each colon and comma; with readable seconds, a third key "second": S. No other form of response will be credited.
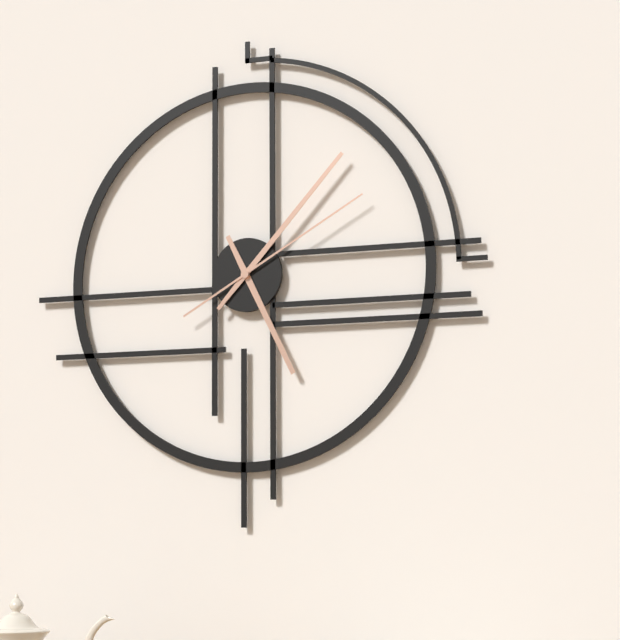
{"hour": 5, "minute": 7, "second": 10}
